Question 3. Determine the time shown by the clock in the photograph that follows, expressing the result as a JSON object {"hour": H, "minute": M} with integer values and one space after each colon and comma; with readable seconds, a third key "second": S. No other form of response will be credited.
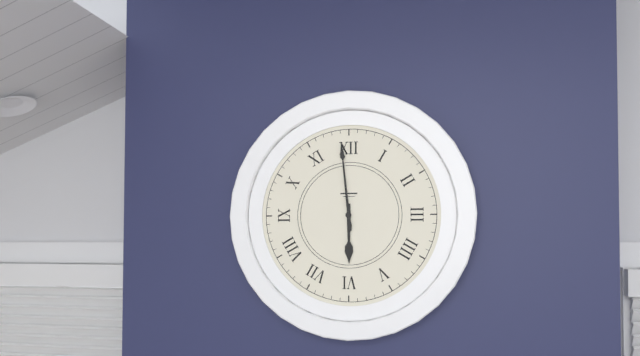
{"hour": 5, "minute": 59}
